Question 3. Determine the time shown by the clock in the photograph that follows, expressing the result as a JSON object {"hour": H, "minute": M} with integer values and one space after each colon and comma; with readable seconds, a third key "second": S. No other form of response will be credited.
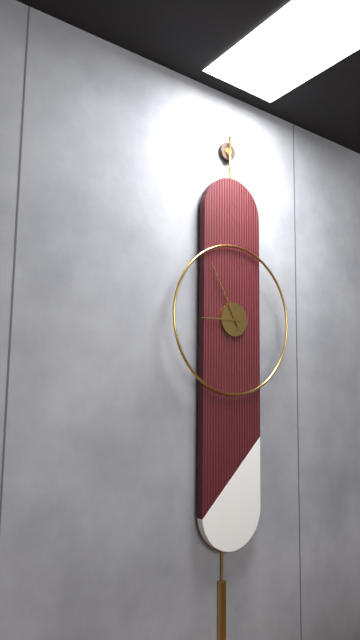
{"hour": 8, "minute": 55}
